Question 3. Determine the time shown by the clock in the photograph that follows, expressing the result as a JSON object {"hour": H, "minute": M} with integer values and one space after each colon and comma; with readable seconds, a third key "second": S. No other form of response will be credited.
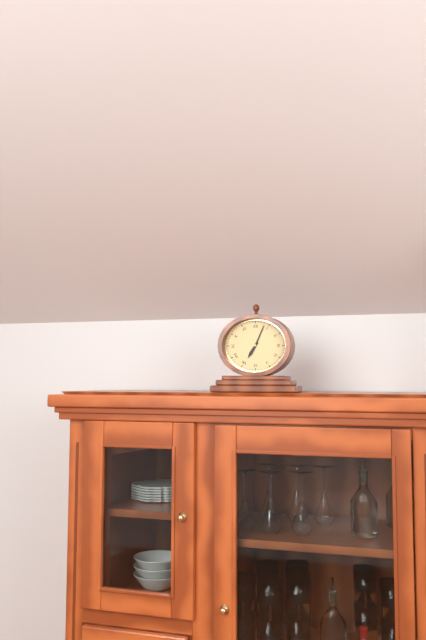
{"hour": 7, "minute": 4}
